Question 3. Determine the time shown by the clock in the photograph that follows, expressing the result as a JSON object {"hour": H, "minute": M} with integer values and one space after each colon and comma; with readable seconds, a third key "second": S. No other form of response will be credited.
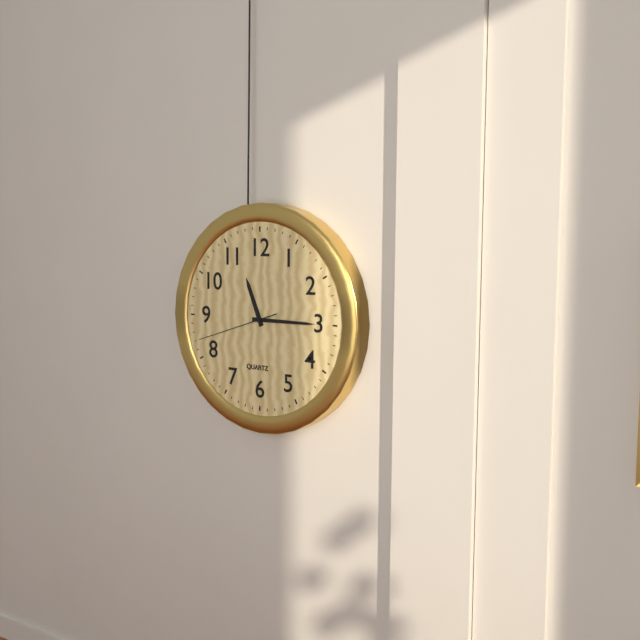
{"hour": 11, "minute": 15, "second": 42}
